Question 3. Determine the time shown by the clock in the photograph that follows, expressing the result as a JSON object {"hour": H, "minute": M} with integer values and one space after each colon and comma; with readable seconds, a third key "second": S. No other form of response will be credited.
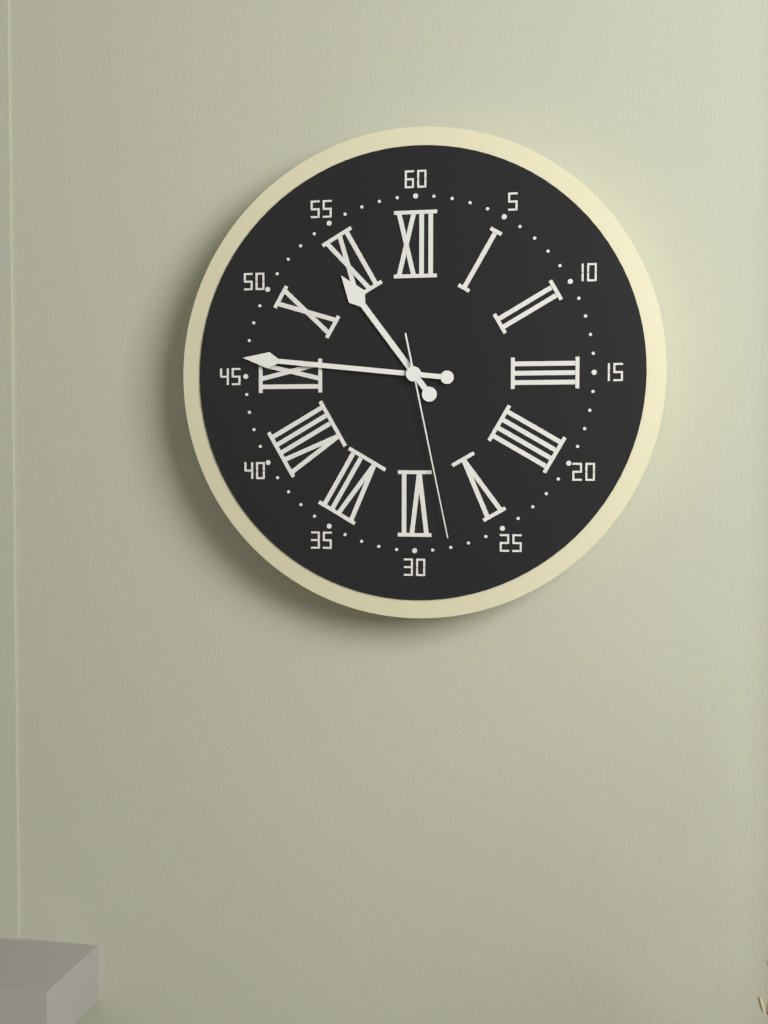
{"hour": 10, "minute": 46, "second": 28}
